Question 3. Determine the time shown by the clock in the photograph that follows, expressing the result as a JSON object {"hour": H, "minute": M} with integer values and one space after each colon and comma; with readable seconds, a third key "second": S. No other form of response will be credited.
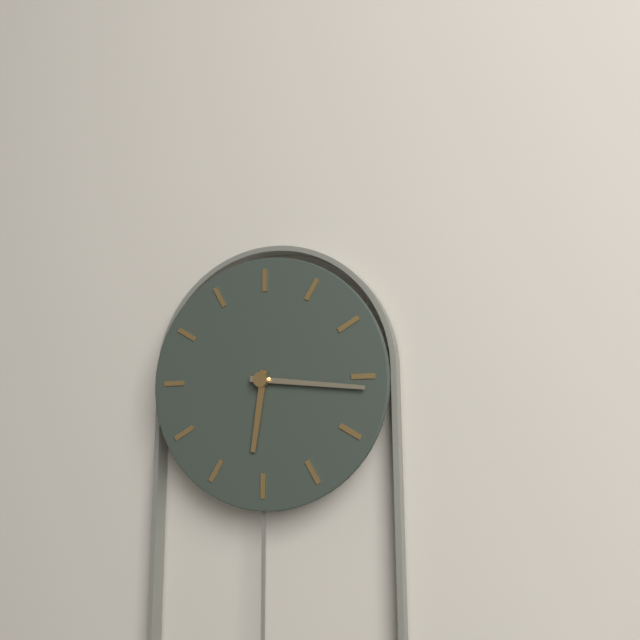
{"hour": 6, "minute": 16}
